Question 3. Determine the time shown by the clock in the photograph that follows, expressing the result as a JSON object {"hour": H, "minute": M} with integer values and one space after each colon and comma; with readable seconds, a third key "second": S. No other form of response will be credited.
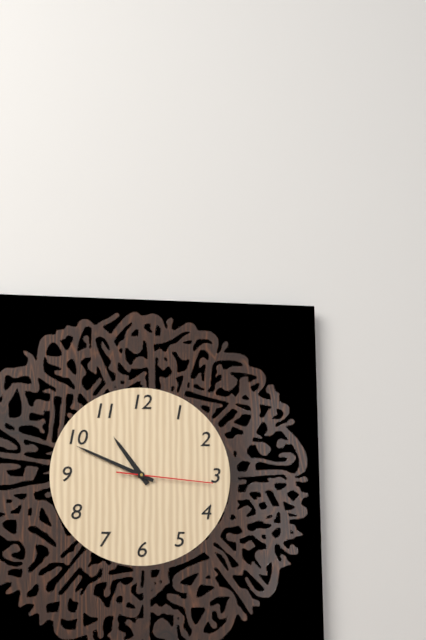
{"hour": 10, "minute": 49, "second": 16}
